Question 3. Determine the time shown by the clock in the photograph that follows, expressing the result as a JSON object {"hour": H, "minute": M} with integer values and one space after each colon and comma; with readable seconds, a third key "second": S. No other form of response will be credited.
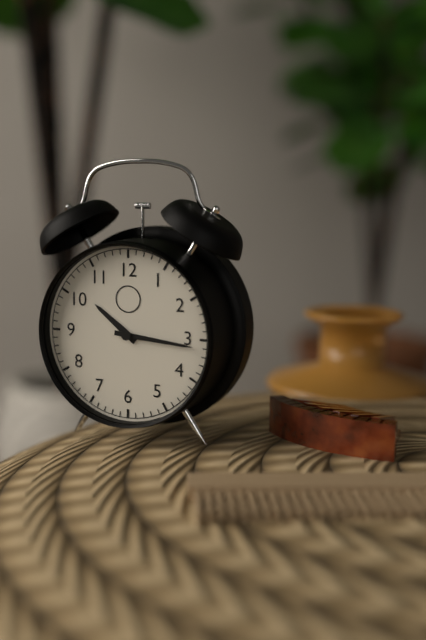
{"hour": 10, "minute": 16}
